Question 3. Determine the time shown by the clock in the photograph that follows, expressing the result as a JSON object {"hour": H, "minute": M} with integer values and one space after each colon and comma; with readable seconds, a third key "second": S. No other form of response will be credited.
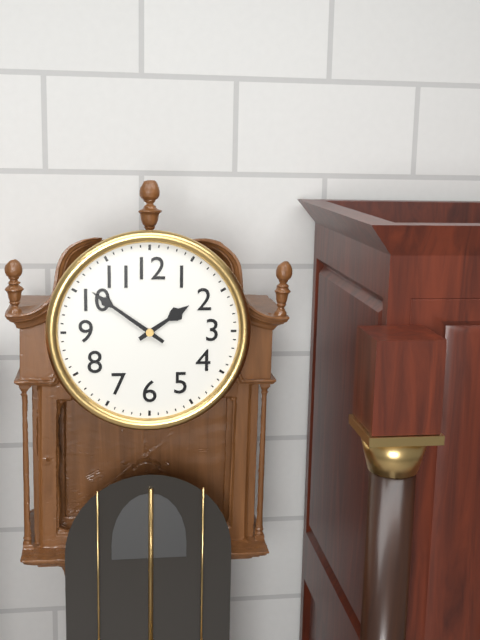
{"hour": 1, "minute": 51}
